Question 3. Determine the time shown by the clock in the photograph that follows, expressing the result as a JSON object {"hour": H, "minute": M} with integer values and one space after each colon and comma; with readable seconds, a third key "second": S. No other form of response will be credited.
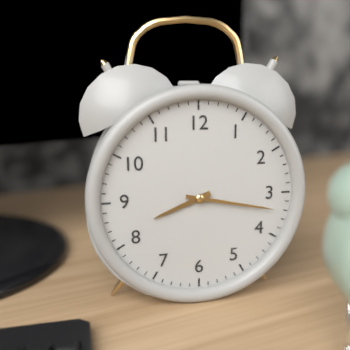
{"hour": 8, "minute": 17}
